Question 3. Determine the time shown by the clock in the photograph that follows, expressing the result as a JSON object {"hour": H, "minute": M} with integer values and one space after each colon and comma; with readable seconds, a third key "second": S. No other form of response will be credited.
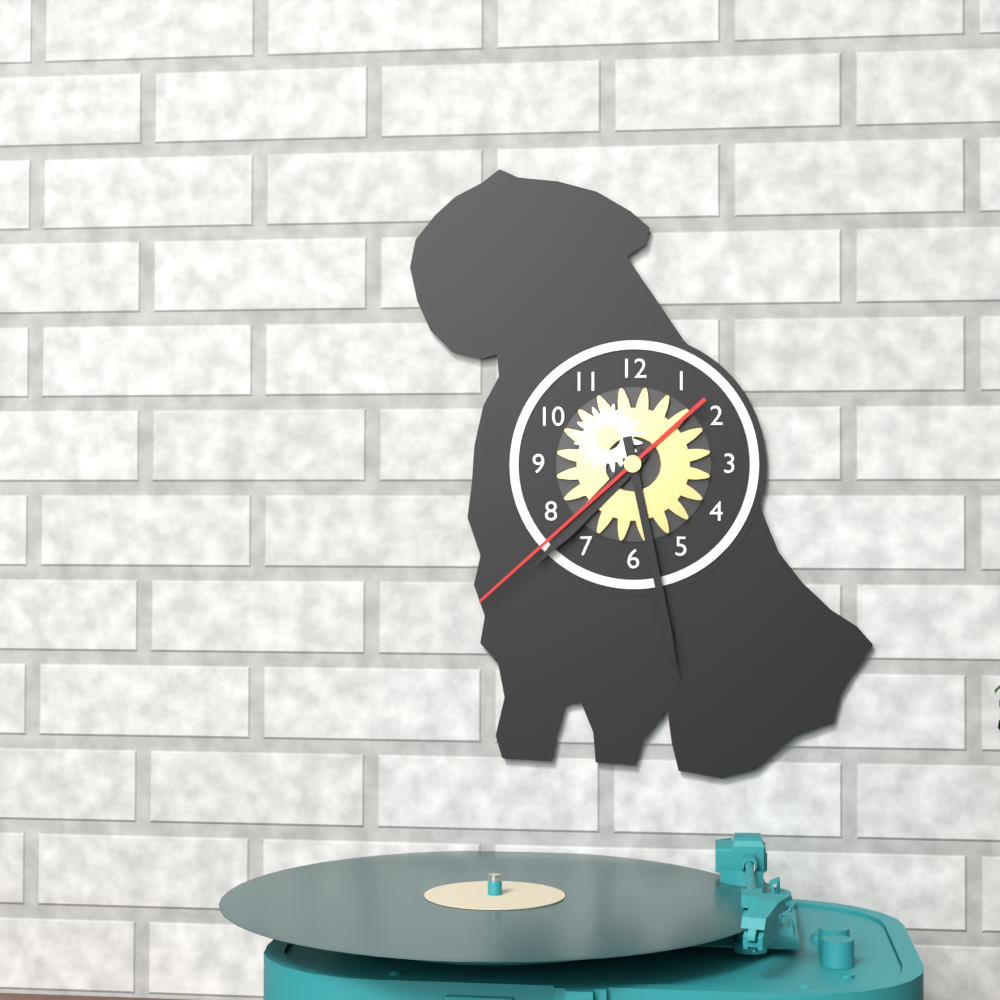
{"hour": 7, "minute": 28, "second": 38}
